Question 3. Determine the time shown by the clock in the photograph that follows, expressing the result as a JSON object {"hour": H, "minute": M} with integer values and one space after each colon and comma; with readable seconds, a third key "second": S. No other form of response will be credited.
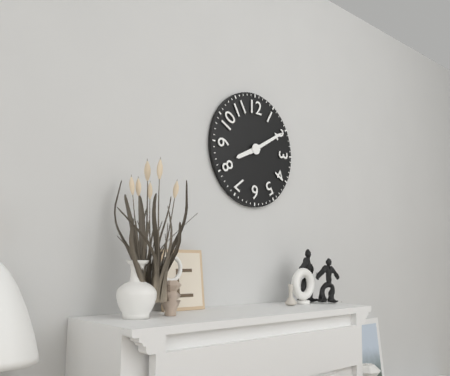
{"hour": 8, "minute": 10}
